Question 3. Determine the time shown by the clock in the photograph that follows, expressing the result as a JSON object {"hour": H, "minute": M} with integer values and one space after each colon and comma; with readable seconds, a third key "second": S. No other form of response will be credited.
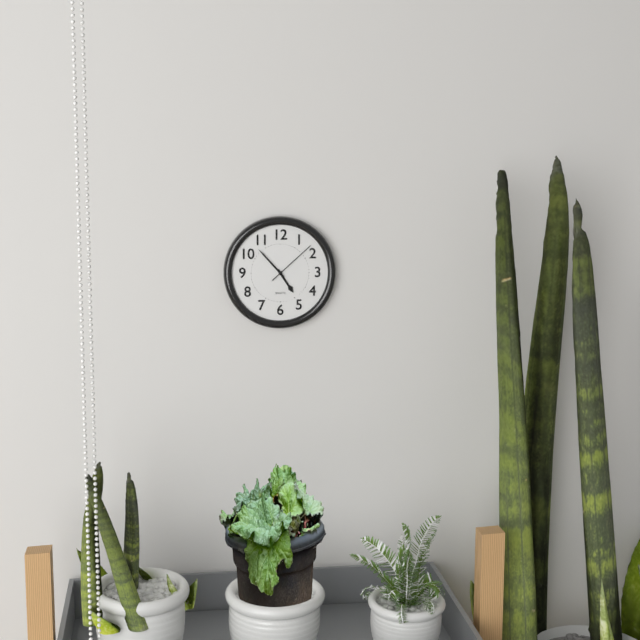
{"hour": 4, "minute": 53, "second": 8}
